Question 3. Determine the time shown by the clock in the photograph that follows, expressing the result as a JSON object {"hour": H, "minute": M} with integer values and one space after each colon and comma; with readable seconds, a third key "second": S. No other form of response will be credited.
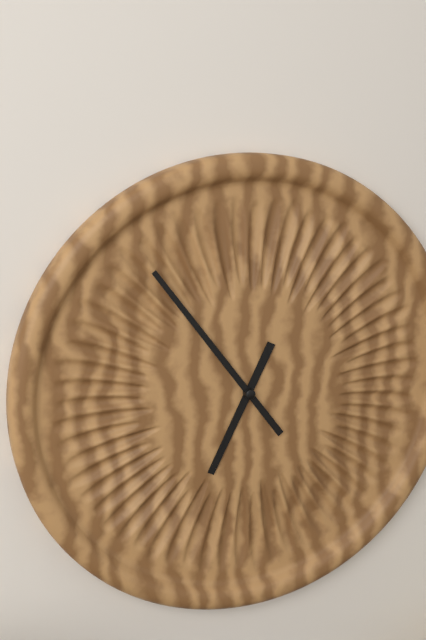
{"hour": 6, "minute": 54}
